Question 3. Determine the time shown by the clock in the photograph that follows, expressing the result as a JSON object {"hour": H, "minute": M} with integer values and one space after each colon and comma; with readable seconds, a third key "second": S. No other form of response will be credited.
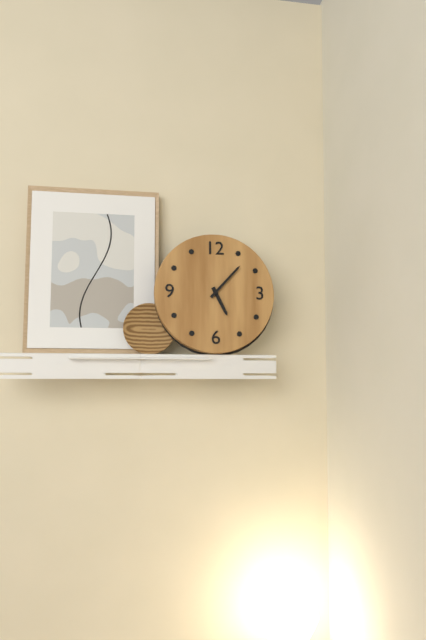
{"hour": 5, "minute": 7}
